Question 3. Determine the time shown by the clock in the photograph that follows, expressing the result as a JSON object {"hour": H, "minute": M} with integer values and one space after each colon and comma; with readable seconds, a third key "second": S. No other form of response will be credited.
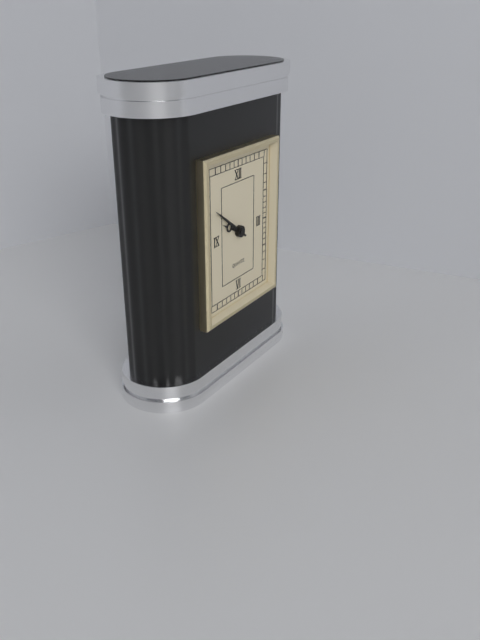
{"hour": 9, "minute": 51}
